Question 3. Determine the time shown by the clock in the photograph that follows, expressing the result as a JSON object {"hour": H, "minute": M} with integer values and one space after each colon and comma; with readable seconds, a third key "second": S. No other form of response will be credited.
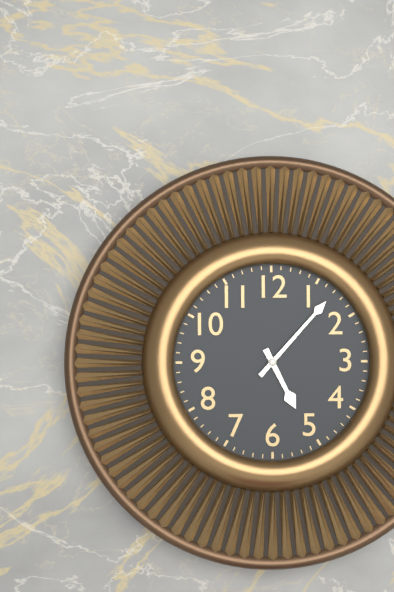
{"hour": 5, "minute": 7}
